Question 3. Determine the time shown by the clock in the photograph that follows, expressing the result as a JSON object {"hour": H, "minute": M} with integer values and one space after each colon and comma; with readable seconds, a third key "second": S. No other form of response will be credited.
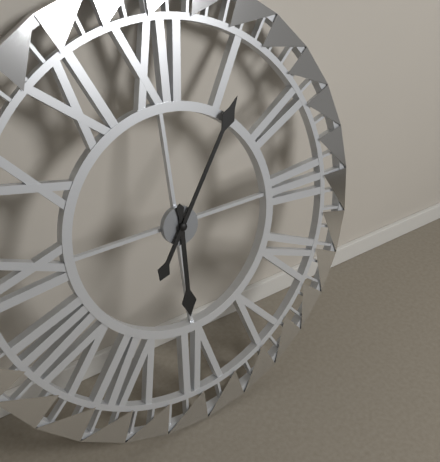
{"hour": 6, "minute": 6}
